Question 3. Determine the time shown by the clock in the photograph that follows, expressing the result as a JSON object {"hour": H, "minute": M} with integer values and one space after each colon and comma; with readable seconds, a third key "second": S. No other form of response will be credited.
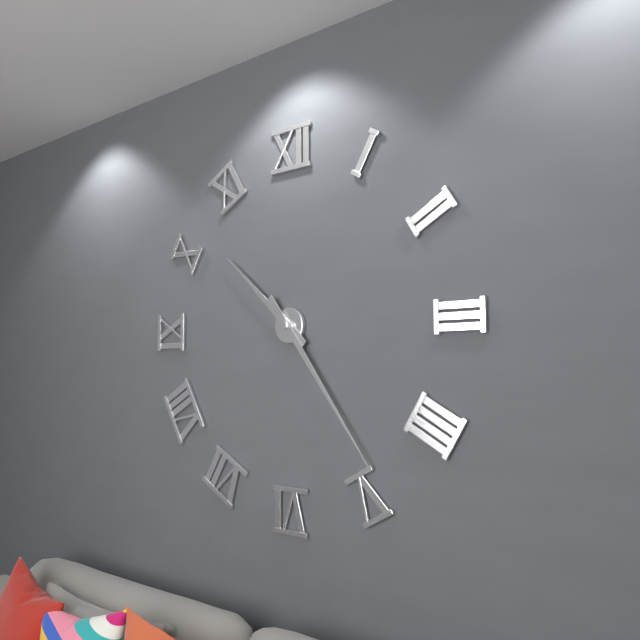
{"hour": 10, "minute": 24}
